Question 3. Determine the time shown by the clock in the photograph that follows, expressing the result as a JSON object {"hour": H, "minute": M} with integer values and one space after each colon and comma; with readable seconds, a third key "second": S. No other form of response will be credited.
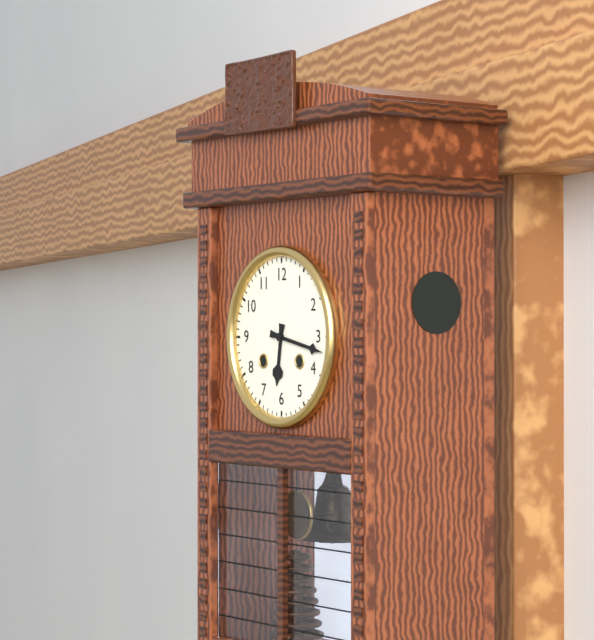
{"hour": 6, "minute": 17}
